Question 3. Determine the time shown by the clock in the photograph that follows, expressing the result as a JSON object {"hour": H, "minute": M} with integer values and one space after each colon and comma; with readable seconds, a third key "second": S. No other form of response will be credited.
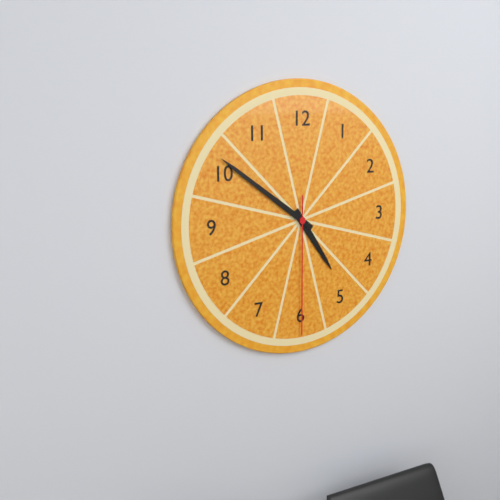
{"hour": 4, "minute": 51, "second": 30}
